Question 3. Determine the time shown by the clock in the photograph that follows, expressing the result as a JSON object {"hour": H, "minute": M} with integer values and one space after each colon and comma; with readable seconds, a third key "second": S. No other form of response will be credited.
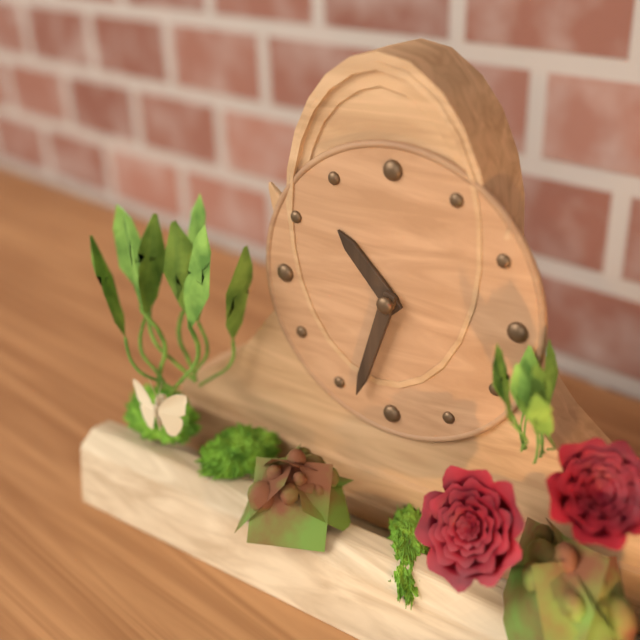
{"hour": 10, "minute": 33}
